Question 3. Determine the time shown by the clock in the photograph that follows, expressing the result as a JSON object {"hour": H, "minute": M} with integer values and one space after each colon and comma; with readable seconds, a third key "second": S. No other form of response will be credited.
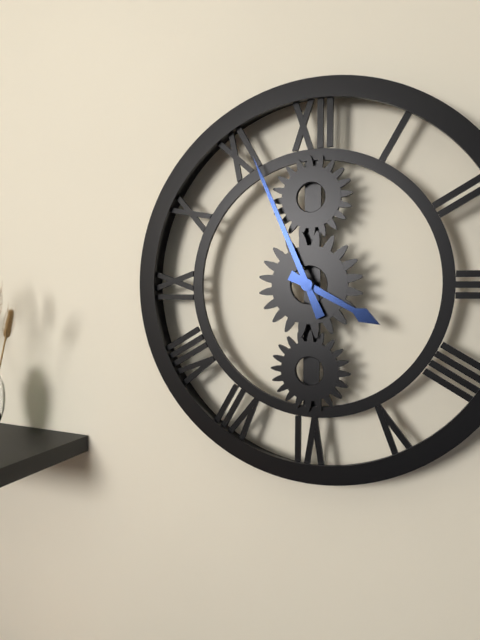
{"hour": 3, "minute": 56}
